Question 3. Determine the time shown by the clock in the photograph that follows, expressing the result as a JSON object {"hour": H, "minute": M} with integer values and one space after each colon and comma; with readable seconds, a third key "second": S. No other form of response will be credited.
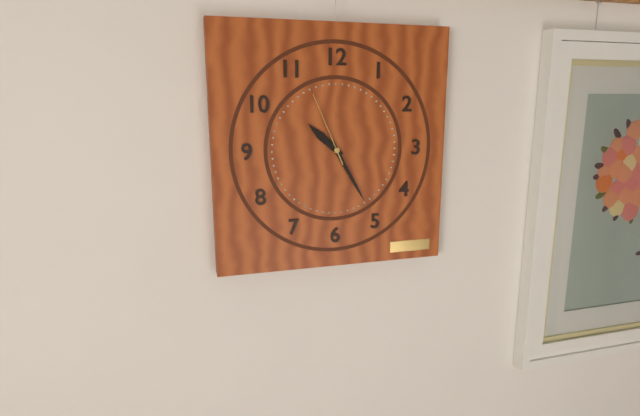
{"hour": 10, "minute": 25, "second": 56}
